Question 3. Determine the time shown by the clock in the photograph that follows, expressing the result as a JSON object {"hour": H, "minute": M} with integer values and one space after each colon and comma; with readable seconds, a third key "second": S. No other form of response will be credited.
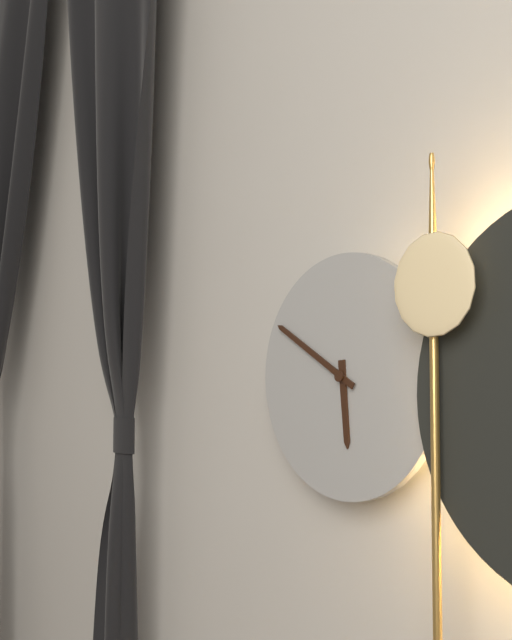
{"hour": 5, "minute": 50}
